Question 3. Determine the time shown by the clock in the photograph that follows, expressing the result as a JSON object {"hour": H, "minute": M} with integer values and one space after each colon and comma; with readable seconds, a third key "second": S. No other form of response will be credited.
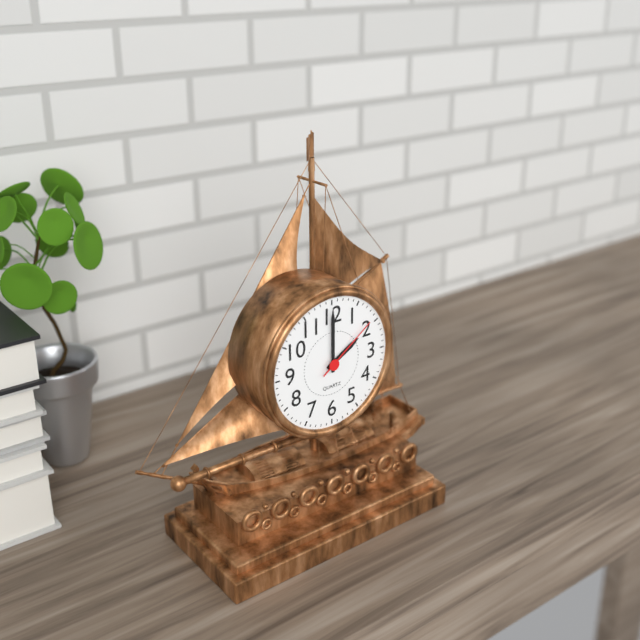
{"hour": 2, "minute": 0, "second": 9}
